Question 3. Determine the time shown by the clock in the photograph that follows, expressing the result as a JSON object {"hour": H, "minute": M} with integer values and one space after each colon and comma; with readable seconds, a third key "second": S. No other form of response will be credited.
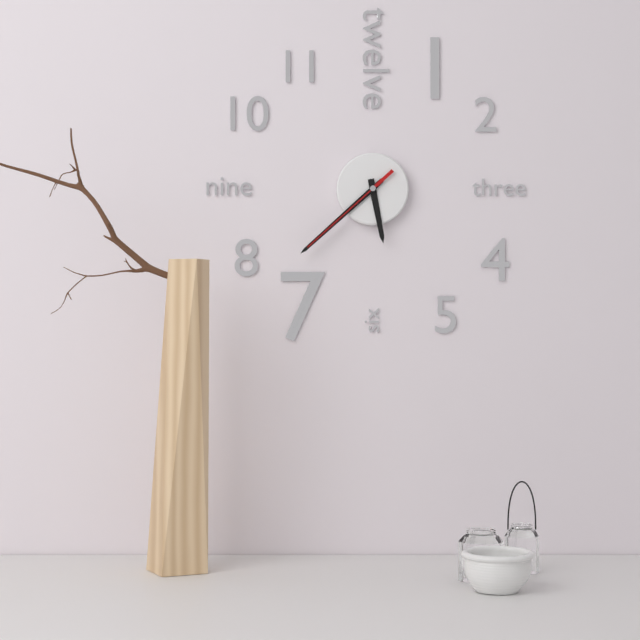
{"hour": 5, "minute": 38, "second": 38}
